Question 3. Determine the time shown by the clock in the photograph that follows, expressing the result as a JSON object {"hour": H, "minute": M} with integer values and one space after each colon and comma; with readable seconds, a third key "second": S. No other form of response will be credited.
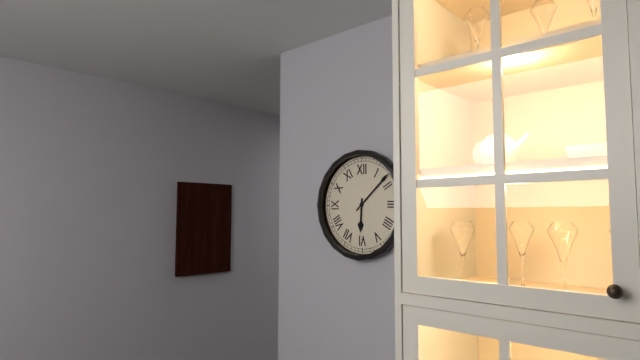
{"hour": 6, "minute": 8}
